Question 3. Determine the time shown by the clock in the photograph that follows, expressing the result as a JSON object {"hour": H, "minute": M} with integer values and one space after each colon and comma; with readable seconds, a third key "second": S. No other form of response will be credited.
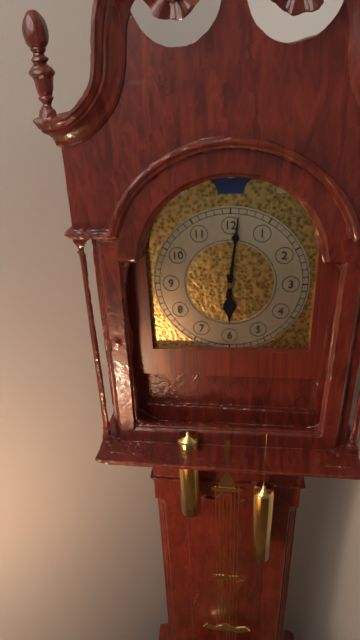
{"hour": 6, "minute": 1}
